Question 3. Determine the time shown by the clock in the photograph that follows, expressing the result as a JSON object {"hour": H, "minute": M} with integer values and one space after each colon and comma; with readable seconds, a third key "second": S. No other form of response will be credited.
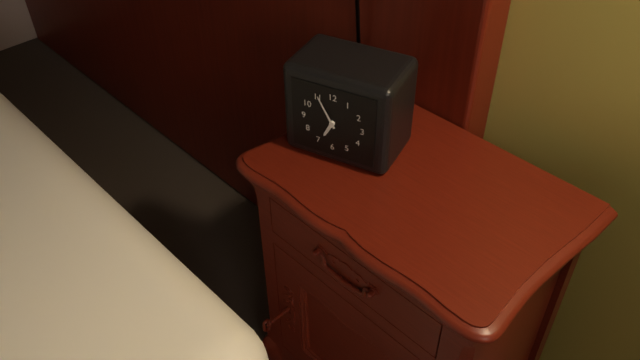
{"hour": 6, "minute": 55}
